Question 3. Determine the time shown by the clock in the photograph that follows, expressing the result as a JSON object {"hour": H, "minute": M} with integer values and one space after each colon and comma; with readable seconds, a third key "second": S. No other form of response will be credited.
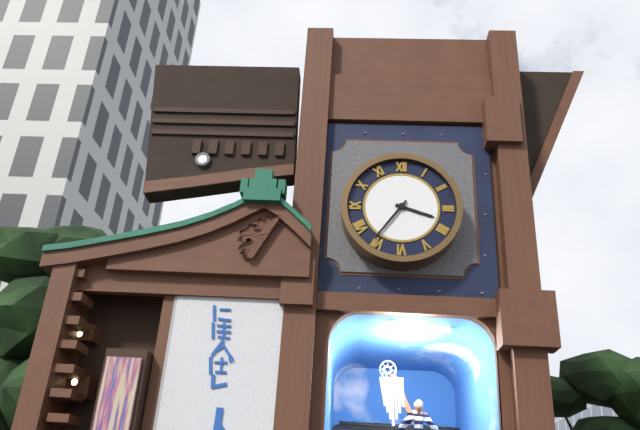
{"hour": 3, "minute": 36}
